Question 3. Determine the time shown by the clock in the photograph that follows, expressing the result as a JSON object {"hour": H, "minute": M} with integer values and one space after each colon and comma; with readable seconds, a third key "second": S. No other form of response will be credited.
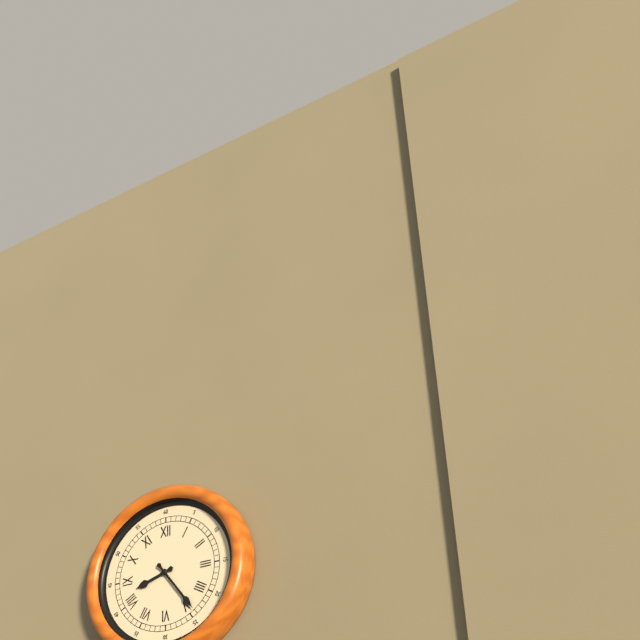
{"hour": 8, "minute": 24}
